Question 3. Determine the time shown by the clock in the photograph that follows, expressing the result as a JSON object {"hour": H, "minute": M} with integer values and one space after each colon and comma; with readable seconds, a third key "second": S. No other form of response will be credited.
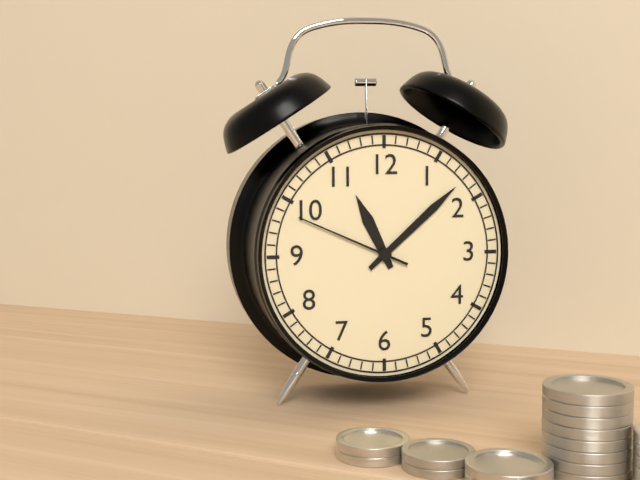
{"hour": 11, "minute": 8, "second": 49}
